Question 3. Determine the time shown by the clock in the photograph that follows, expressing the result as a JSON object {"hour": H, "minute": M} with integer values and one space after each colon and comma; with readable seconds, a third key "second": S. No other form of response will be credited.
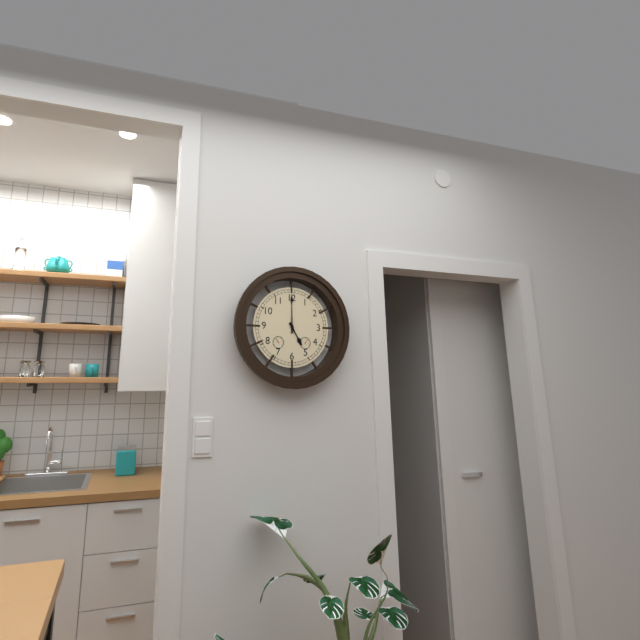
{"hour": 5, "minute": 0}
